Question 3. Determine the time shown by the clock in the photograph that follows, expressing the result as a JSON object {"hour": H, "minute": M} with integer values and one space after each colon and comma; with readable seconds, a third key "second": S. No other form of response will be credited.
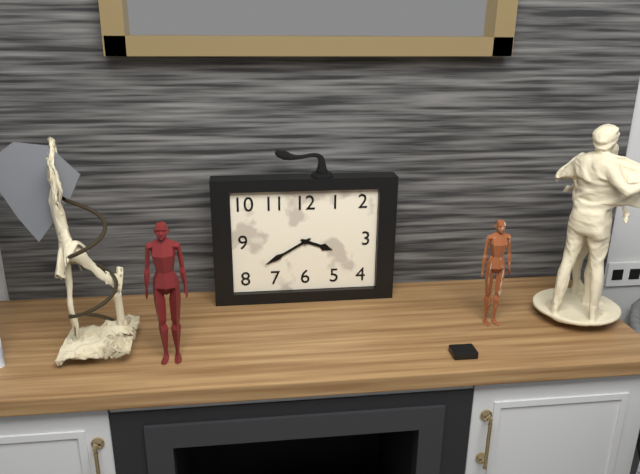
{"hour": 3, "minute": 40}
